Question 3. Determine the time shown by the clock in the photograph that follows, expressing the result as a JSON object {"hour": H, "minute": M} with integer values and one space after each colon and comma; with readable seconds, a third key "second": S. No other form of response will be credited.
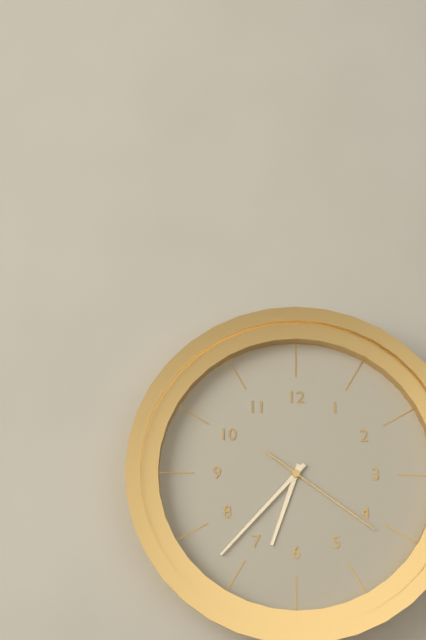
{"hour": 6, "minute": 37, "second": 21}
